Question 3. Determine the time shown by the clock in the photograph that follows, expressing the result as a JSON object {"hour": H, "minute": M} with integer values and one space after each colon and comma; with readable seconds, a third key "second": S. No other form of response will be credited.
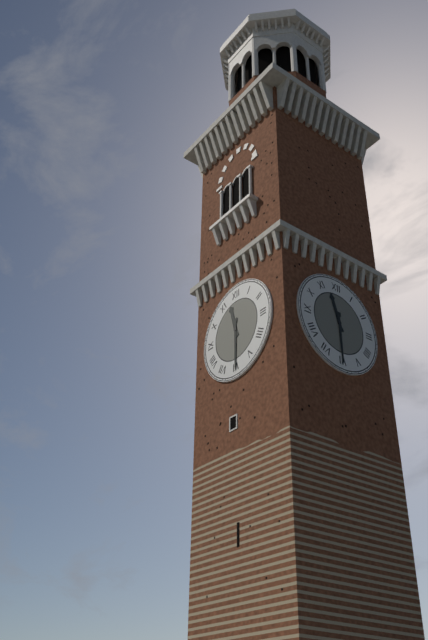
{"hour": 11, "minute": 30}
